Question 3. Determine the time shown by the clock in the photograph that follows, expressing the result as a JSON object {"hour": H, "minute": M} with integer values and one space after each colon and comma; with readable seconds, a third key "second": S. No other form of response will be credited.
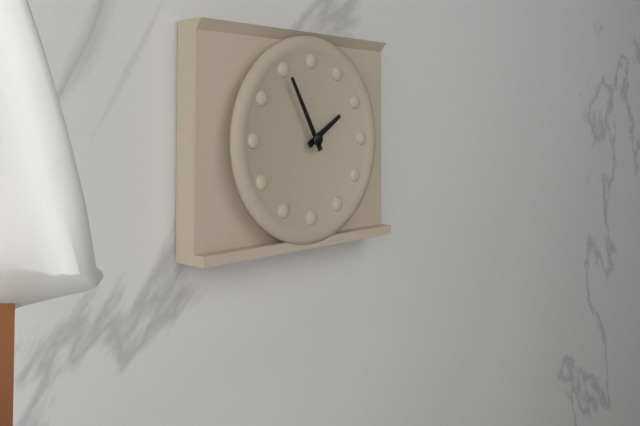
{"hour": 1, "minute": 55}
